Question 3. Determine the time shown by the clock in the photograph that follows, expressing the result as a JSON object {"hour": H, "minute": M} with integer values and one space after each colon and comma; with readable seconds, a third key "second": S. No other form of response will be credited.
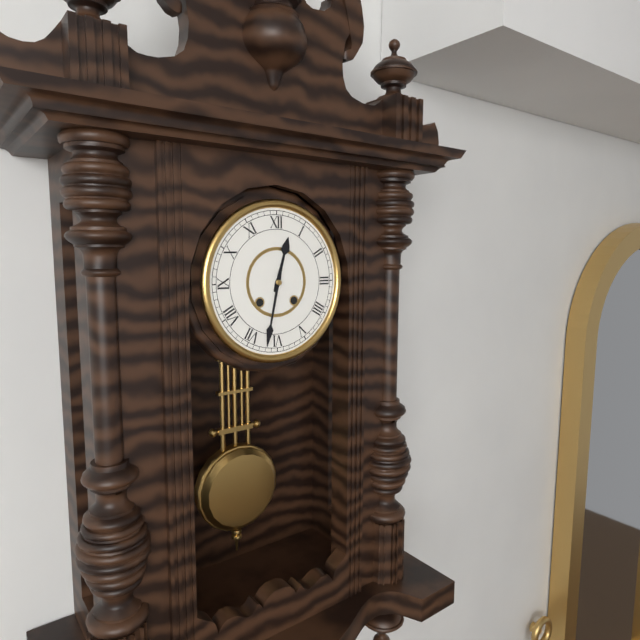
{"hour": 12, "minute": 32}
